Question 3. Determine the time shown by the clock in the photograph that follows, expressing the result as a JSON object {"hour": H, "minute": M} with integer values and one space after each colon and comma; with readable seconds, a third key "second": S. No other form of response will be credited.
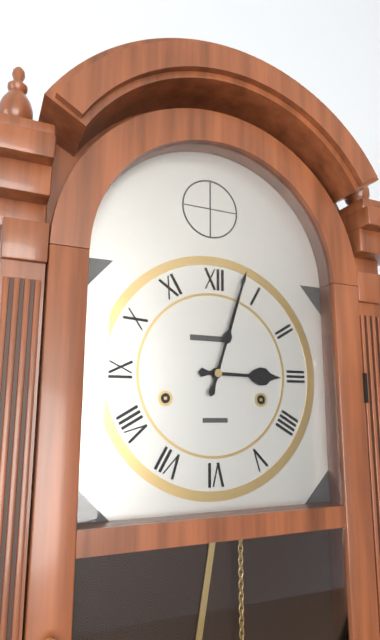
{"hour": 3, "minute": 3}
